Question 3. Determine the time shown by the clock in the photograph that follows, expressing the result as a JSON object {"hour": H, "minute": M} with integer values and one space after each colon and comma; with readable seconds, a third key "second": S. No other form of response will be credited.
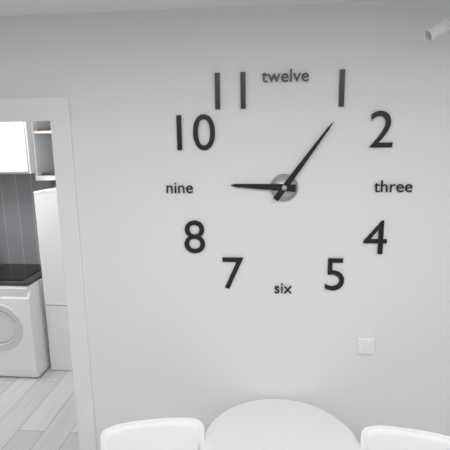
{"hour": 9, "minute": 6}
